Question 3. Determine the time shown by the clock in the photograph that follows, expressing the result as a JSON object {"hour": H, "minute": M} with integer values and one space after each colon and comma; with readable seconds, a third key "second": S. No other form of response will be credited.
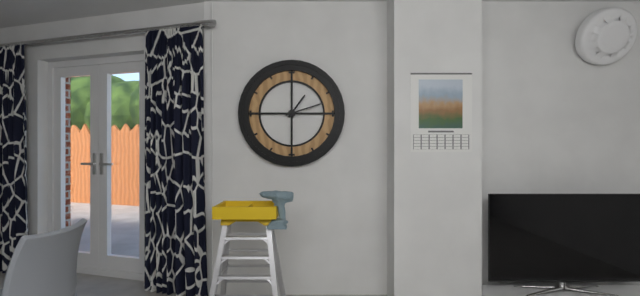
{"hour": 1, "minute": 12}
